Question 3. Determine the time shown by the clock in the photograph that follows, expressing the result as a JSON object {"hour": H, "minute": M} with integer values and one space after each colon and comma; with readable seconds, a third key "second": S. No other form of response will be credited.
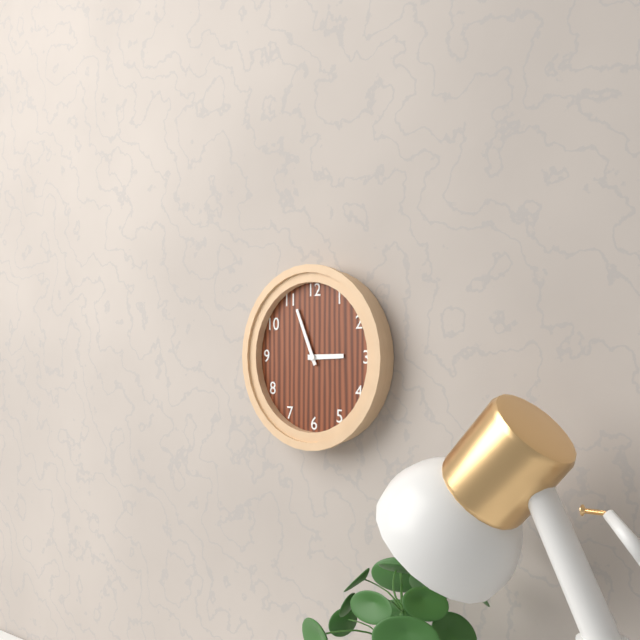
{"hour": 2, "minute": 56}
